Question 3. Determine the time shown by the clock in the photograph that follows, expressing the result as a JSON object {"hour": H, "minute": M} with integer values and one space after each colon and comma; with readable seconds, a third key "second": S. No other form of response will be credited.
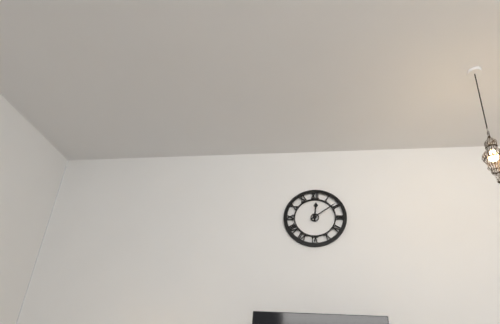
{"hour": 12, "minute": 9}
